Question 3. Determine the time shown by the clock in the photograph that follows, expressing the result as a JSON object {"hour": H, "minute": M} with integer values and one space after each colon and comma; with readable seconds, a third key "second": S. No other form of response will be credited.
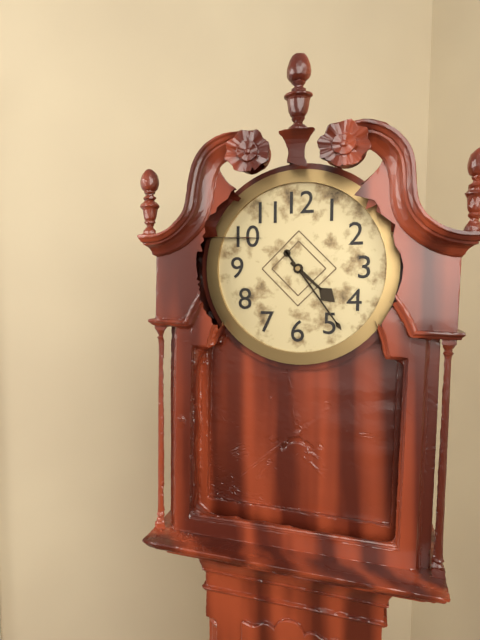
{"hour": 4, "minute": 24}
